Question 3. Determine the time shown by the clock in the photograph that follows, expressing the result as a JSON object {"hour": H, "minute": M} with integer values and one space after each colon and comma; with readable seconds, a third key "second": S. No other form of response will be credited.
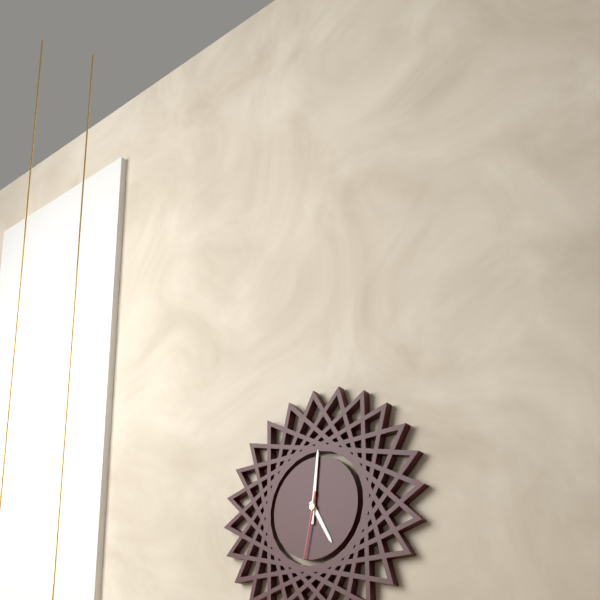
{"hour": 5, "minute": 1, "second": 32}
